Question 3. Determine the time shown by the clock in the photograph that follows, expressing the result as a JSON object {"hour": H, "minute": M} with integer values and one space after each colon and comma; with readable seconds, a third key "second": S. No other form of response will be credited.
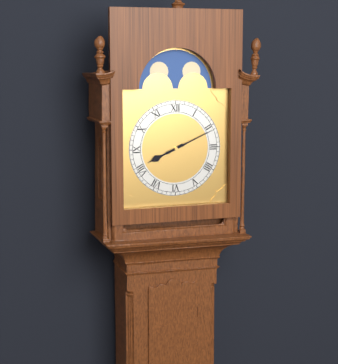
{"hour": 8, "minute": 11}
